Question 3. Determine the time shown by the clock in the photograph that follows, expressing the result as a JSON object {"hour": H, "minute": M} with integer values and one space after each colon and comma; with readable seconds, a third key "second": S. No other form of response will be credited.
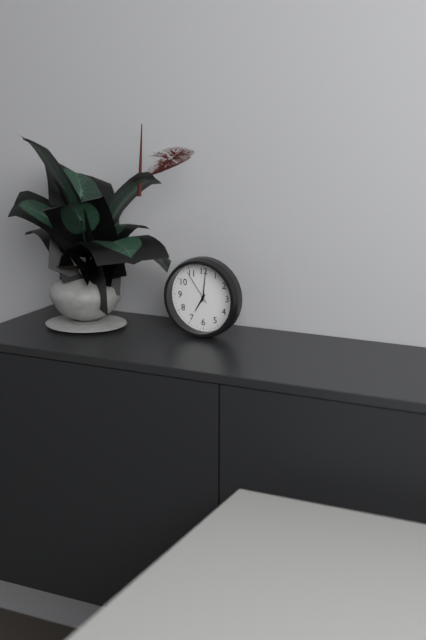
{"hour": 7, "minute": 1}
